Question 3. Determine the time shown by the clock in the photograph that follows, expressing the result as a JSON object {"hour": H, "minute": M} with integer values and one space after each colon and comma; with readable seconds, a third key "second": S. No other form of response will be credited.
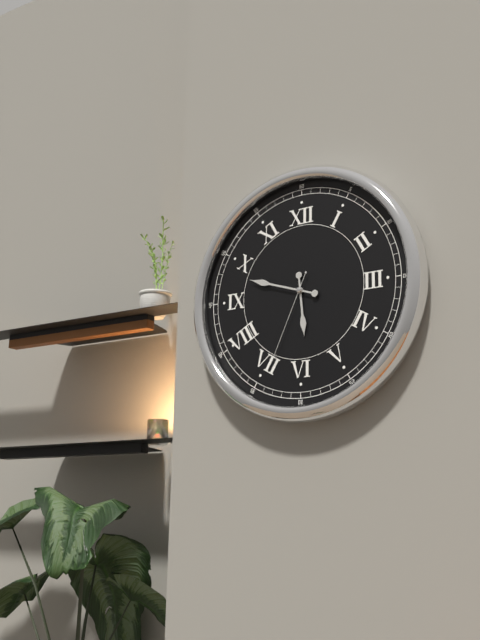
{"hour": 5, "minute": 48, "second": 34}
